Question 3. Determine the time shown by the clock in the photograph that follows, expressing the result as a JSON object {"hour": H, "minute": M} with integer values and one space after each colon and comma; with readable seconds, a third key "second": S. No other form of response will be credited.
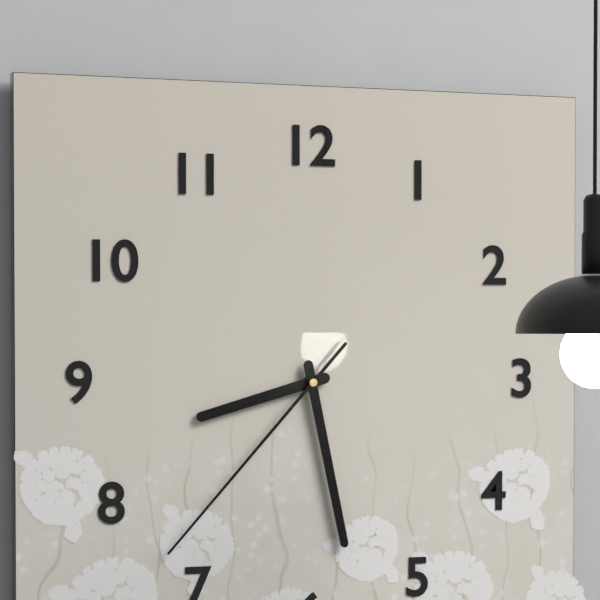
{"hour": 8, "minute": 28, "second": 37}
